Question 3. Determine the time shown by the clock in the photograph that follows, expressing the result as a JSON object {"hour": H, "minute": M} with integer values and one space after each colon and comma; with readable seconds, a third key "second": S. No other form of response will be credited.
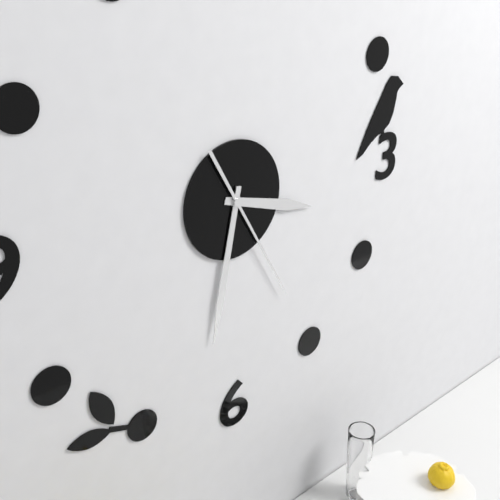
{"hour": 3, "minute": 32, "second": 25}
